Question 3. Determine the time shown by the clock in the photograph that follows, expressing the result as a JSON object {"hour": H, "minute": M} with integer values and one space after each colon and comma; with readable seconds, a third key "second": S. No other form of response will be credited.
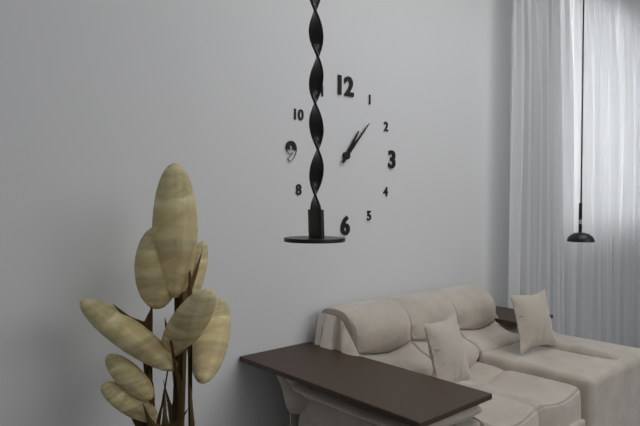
{"hour": 1, "minute": 7}
